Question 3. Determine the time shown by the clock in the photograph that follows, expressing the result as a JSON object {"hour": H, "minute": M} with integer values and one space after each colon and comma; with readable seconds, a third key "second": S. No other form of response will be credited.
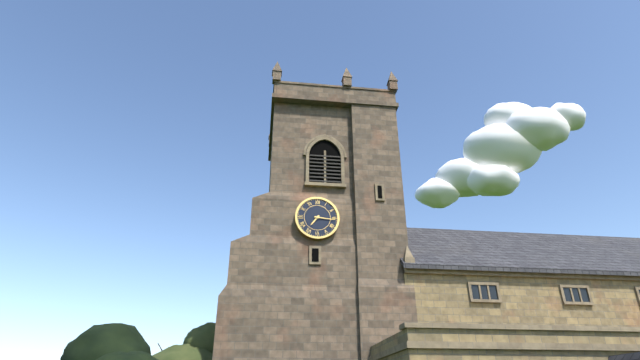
{"hour": 7, "minute": 16}
